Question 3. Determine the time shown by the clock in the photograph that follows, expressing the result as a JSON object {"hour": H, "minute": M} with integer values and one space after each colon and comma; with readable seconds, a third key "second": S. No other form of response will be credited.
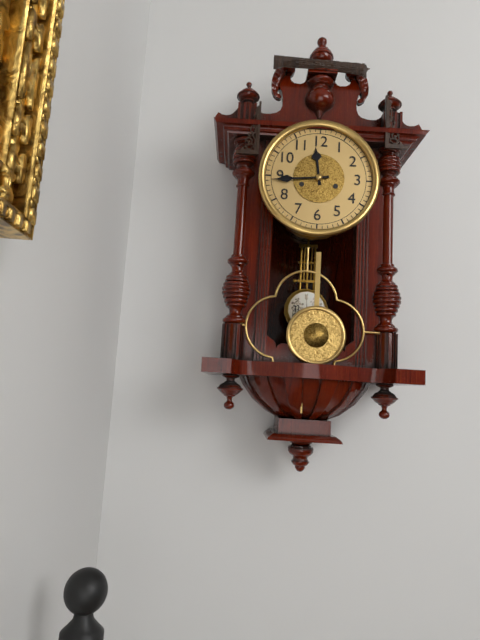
{"hour": 11, "minute": 44}
